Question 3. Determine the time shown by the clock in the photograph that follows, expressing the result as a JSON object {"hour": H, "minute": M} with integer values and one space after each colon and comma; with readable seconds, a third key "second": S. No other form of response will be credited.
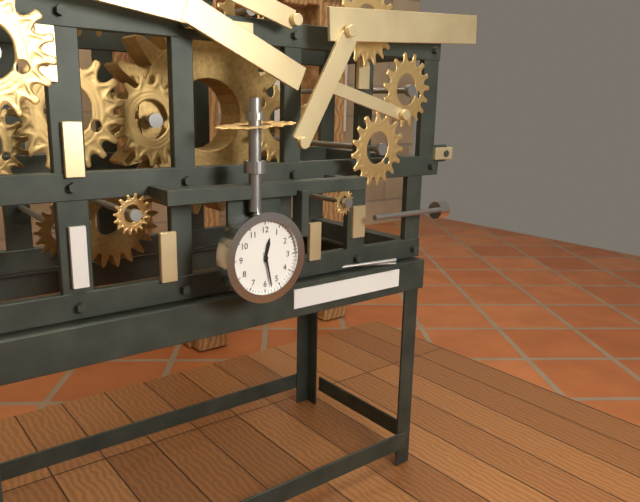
{"hour": 12, "minute": 28}
